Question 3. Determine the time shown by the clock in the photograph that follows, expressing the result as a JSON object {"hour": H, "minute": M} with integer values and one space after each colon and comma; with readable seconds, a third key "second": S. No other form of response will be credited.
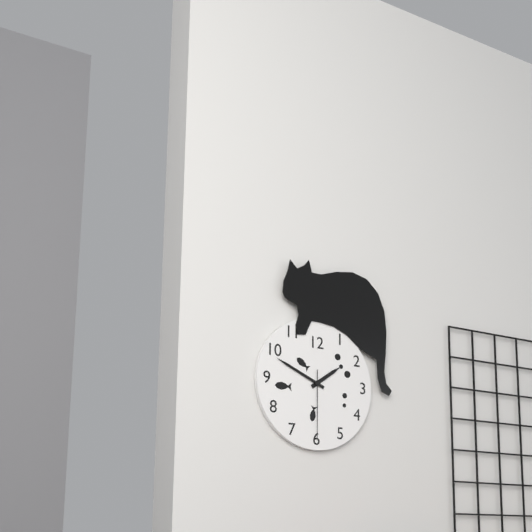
{"hour": 1, "minute": 49, "second": 30}
